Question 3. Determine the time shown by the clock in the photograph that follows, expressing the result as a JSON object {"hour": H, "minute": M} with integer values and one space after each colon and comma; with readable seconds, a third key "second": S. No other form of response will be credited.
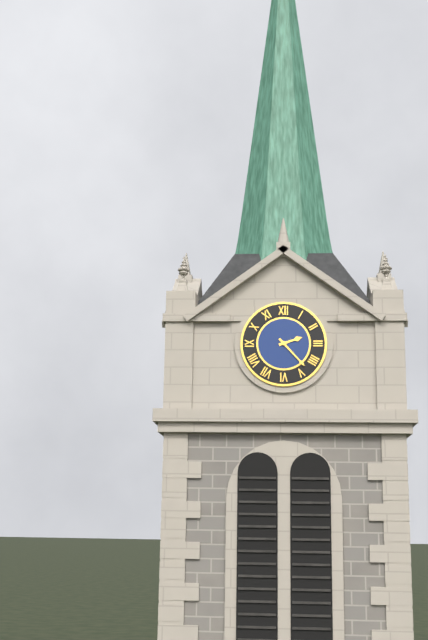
{"hour": 2, "minute": 23}
